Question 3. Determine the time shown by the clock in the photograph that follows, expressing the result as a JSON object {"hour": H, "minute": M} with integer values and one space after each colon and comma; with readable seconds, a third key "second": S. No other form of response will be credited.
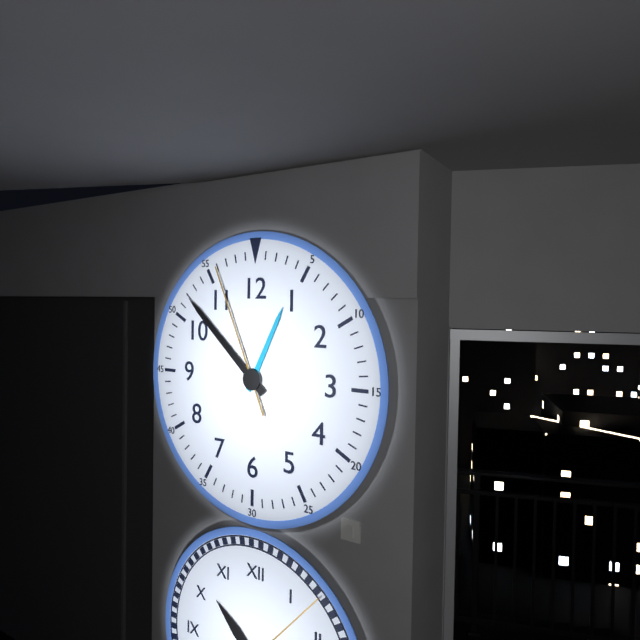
{"hour": 12, "minute": 52, "second": 56}
